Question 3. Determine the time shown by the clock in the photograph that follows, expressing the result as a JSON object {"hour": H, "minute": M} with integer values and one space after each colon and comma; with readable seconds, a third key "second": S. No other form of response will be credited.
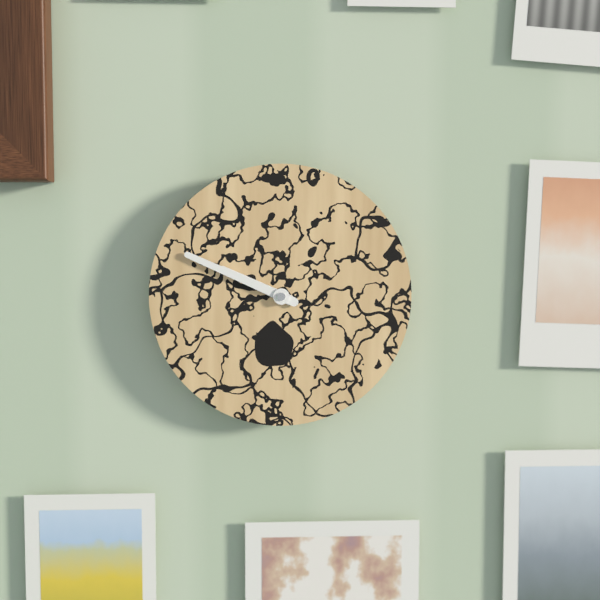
{"hour": 9, "minute": 49}
